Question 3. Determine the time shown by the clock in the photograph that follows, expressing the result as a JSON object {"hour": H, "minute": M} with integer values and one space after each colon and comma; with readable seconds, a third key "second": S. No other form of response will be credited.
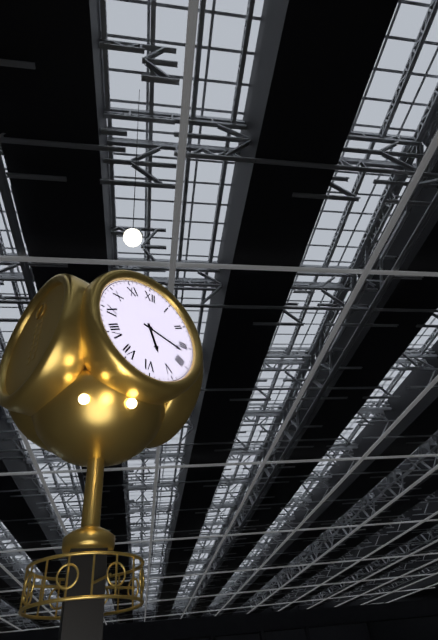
{"hour": 5, "minute": 17}
